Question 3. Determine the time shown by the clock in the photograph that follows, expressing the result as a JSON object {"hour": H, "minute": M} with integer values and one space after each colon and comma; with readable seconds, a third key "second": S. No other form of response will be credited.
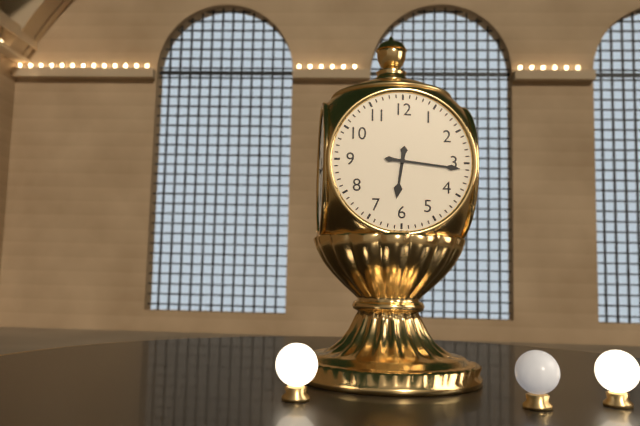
{"hour": 6, "minute": 16}
